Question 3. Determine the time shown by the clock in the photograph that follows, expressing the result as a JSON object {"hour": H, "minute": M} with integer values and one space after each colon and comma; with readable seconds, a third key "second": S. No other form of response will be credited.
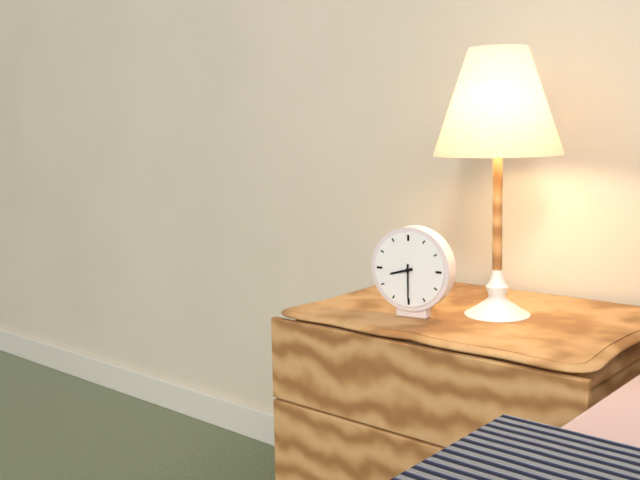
{"hour": 8, "minute": 30}
